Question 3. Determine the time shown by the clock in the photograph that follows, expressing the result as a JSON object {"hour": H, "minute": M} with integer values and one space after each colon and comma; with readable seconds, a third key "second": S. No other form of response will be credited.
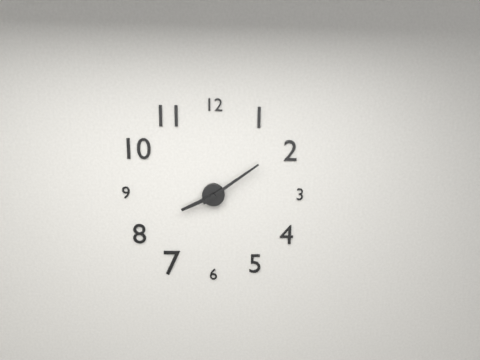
{"hour": 8, "minute": 9}
